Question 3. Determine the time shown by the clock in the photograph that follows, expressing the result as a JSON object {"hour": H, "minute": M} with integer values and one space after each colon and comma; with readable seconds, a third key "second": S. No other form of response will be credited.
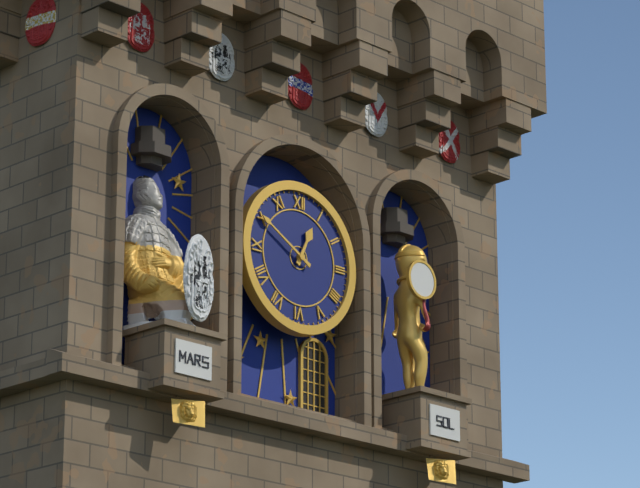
{"hour": 12, "minute": 50}
